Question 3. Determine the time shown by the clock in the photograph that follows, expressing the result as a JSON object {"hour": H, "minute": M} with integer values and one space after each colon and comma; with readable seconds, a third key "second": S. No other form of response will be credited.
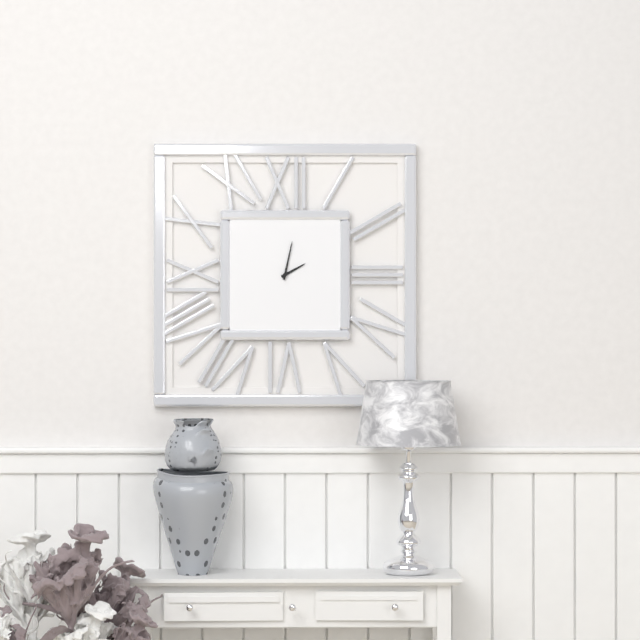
{"hour": 2, "minute": 2}
